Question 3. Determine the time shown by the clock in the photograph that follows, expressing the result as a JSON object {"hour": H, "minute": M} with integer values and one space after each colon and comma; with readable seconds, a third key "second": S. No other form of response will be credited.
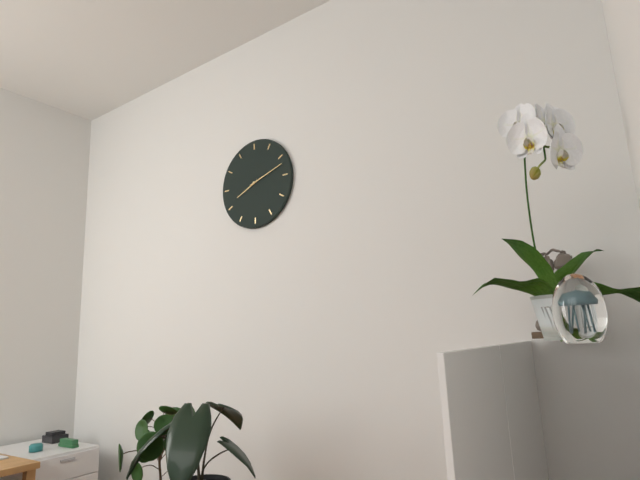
{"hour": 8, "minute": 12}
